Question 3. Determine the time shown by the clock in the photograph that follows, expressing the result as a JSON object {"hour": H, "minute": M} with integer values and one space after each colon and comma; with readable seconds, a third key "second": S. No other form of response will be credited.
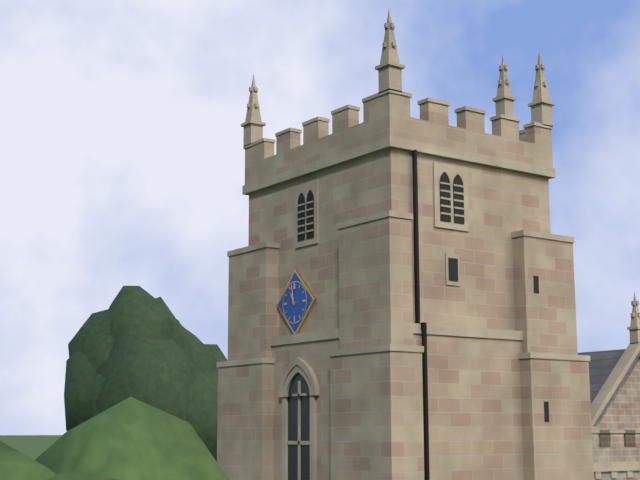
{"hour": 10, "minute": 58}
